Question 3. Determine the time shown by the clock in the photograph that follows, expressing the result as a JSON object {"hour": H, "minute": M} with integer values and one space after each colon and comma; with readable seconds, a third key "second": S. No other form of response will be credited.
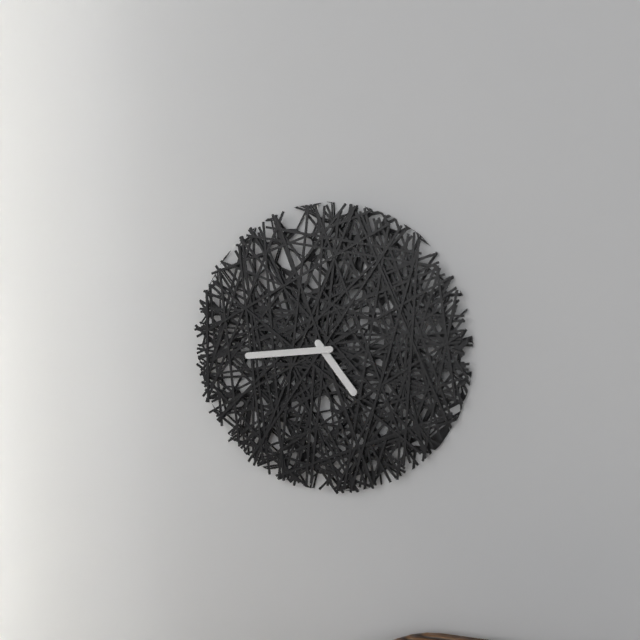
{"hour": 4, "minute": 44}
